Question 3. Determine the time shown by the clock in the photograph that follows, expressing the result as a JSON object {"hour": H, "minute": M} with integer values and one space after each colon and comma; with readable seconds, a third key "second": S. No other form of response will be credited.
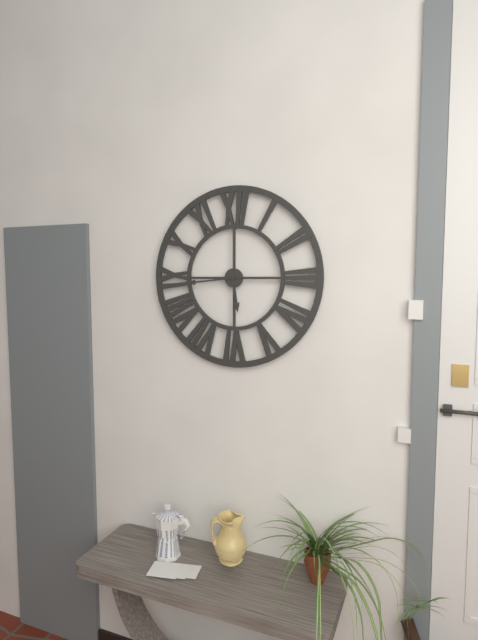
{"hour": 5, "minute": 44}
